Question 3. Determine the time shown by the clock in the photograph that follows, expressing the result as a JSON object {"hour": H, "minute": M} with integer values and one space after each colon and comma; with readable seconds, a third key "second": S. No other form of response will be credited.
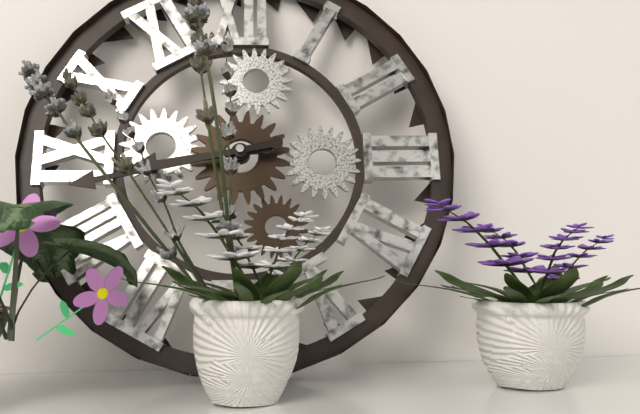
{"hour": 8, "minute": 43}
